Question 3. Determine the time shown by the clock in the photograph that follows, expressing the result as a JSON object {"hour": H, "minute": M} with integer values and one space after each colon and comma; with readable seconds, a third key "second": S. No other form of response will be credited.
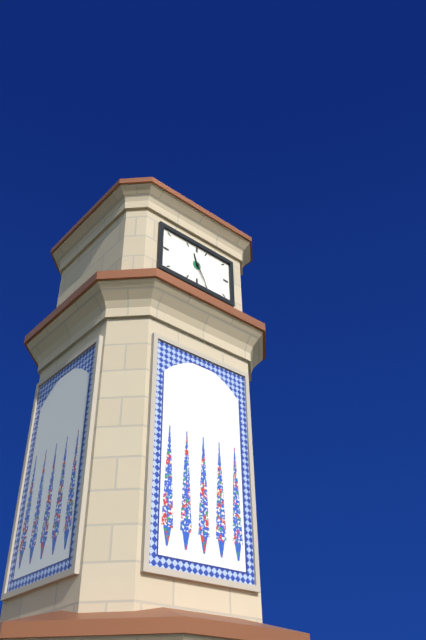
{"hour": 11, "minute": 25}
